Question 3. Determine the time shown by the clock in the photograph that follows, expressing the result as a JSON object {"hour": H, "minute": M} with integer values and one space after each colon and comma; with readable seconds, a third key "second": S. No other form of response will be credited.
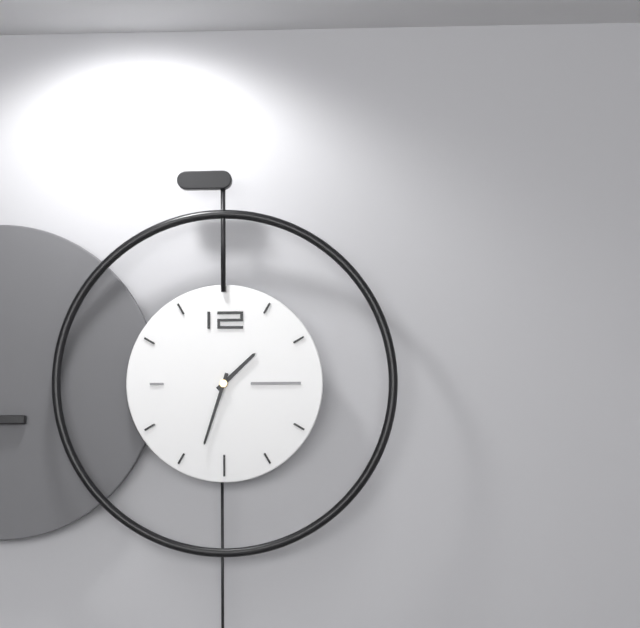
{"hour": 1, "minute": 33}
